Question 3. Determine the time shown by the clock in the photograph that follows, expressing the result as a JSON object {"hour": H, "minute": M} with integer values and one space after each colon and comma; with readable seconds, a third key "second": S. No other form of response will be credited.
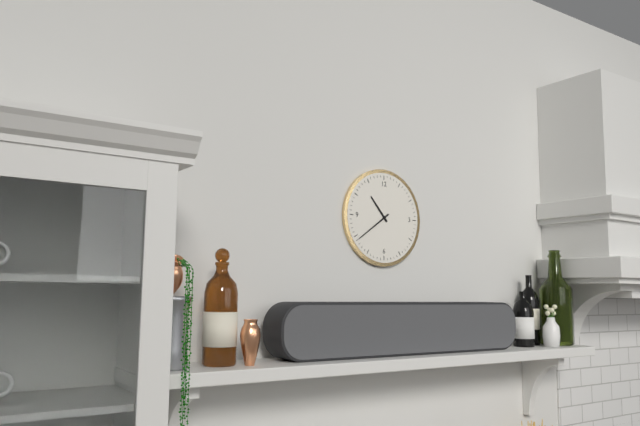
{"hour": 10, "minute": 39}
